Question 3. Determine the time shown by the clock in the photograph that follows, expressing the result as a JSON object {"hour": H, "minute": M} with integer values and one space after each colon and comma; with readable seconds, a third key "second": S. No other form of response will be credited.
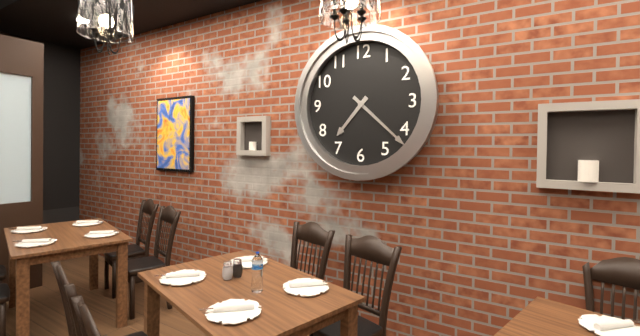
{"hour": 7, "minute": 22}
